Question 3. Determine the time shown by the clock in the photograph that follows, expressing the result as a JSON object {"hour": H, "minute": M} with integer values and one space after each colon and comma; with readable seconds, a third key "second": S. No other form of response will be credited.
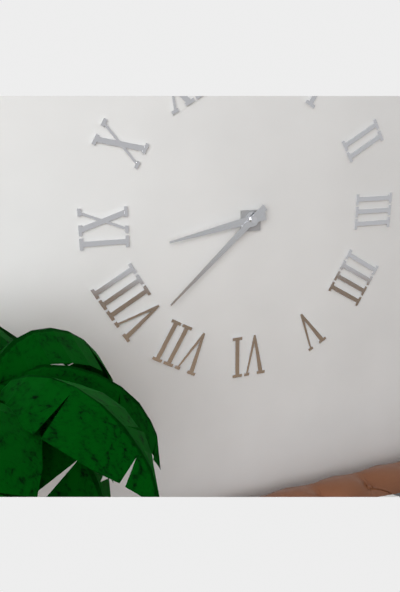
{"hour": 8, "minute": 38}
